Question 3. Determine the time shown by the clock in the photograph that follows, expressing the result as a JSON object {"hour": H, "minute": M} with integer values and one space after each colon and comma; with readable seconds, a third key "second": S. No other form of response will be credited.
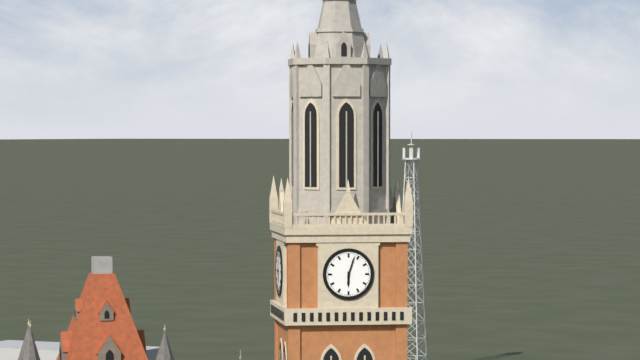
{"hour": 6, "minute": 3}
